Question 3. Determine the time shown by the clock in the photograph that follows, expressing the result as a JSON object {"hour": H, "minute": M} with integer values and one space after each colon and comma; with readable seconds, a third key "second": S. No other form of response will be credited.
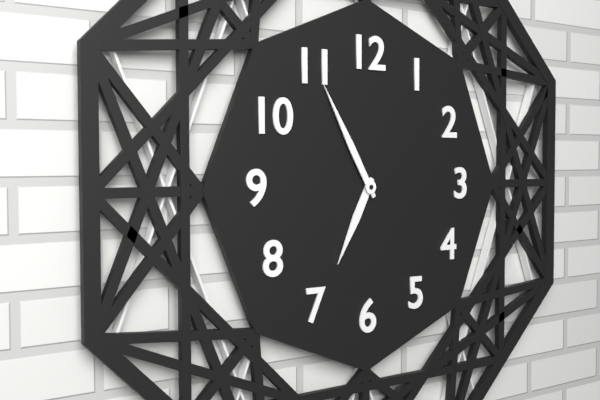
{"hour": 6, "minute": 55}
